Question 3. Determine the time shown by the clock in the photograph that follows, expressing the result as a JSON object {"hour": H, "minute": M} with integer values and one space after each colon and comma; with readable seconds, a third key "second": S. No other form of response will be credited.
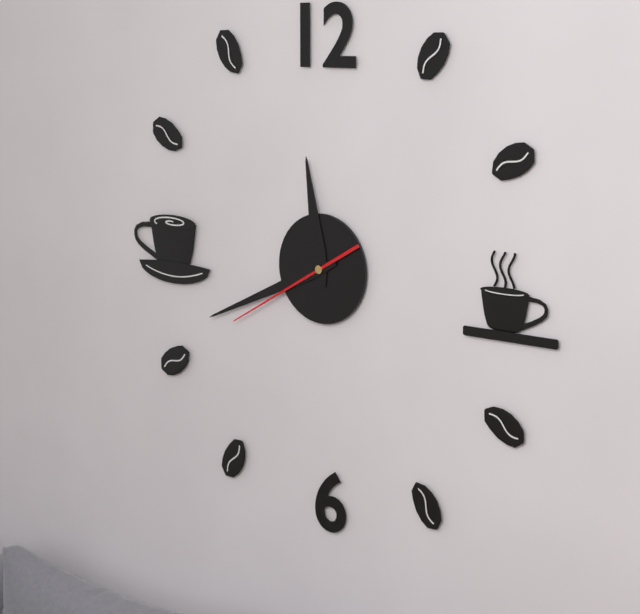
{"hour": 11, "minute": 41, "second": 40}
